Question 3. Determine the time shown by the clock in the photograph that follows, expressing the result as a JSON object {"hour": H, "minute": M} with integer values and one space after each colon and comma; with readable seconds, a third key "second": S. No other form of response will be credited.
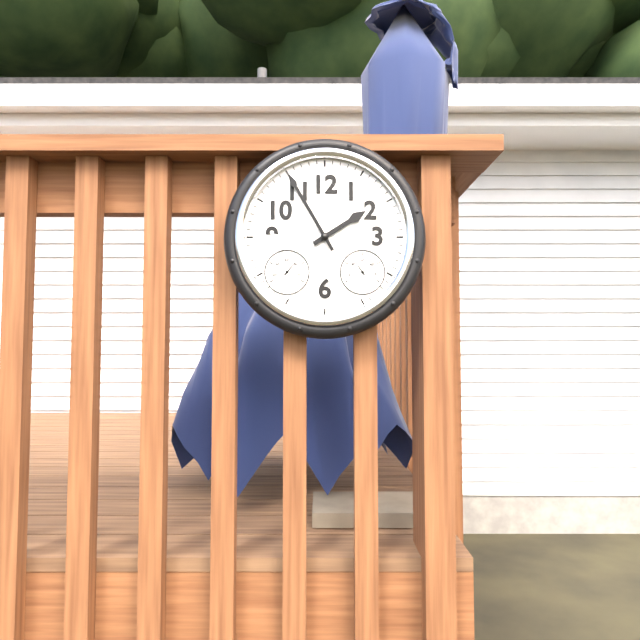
{"hour": 1, "minute": 55}
